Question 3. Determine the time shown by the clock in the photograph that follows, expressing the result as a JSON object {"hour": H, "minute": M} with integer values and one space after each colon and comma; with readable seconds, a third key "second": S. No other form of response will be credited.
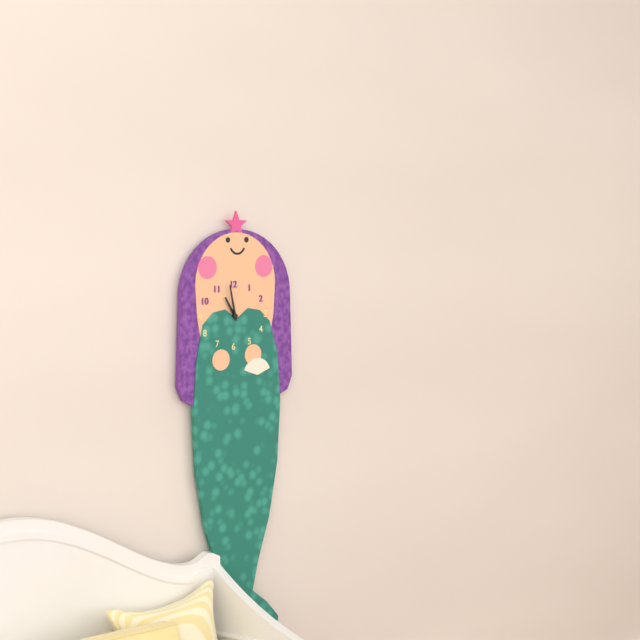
{"hour": 10, "minute": 58}
